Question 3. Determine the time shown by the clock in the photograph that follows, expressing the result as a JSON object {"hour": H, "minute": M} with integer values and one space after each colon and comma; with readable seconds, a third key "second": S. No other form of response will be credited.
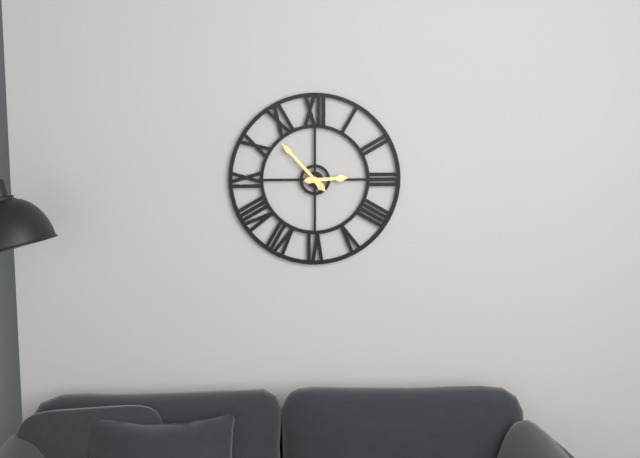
{"hour": 2, "minute": 53}
